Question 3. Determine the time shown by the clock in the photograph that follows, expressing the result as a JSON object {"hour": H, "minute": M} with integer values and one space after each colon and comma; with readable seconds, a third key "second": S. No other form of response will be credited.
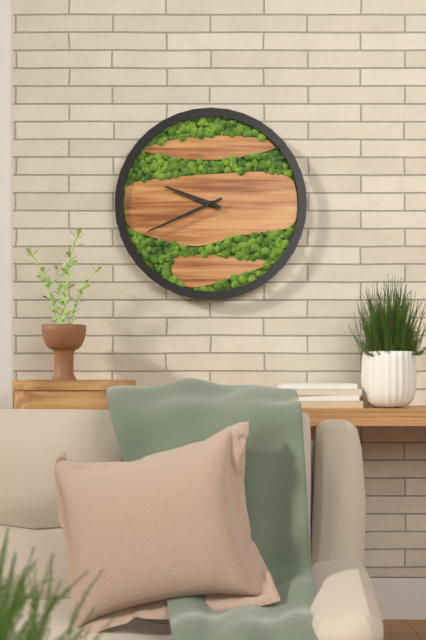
{"hour": 9, "minute": 41}
